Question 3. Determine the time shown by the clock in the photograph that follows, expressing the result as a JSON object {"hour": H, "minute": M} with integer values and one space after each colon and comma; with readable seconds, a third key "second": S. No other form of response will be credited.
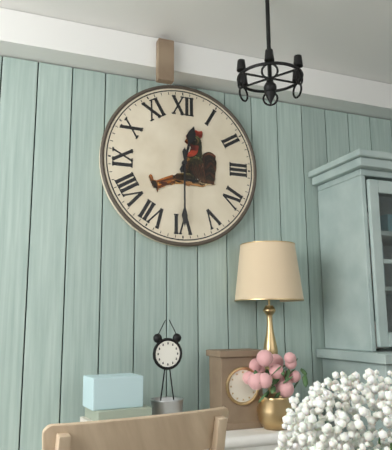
{"hour": 12, "minute": 30}
